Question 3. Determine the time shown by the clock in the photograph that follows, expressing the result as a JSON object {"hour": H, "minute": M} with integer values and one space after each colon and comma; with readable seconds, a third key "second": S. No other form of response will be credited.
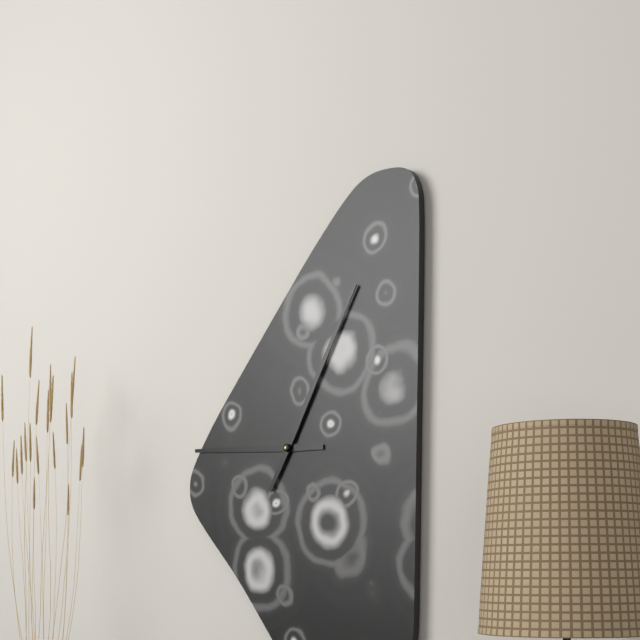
{"hour": 9, "minute": 5}
